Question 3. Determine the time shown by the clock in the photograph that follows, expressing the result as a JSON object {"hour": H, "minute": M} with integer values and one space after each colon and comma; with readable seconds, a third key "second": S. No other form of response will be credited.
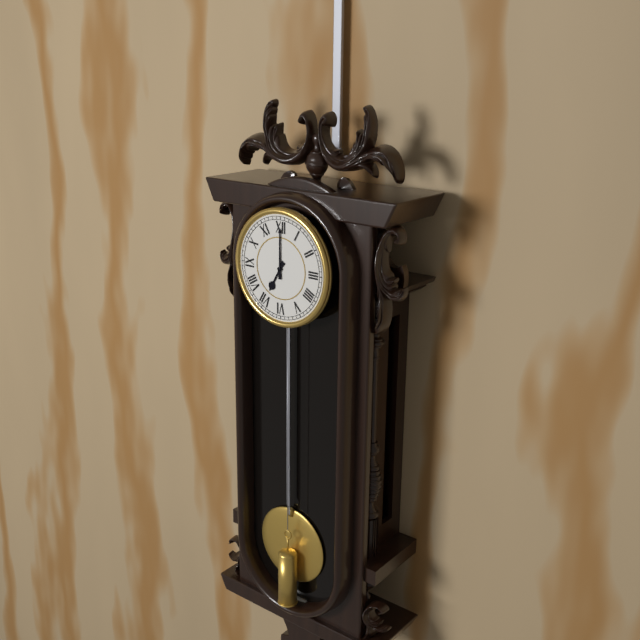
{"hour": 7, "minute": 0}
